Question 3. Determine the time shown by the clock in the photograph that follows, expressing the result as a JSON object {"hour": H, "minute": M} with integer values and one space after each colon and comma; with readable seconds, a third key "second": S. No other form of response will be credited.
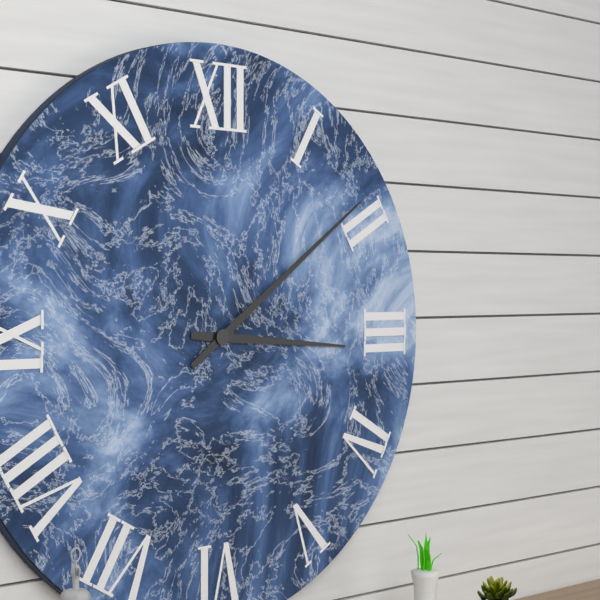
{"hour": 3, "minute": 9}
